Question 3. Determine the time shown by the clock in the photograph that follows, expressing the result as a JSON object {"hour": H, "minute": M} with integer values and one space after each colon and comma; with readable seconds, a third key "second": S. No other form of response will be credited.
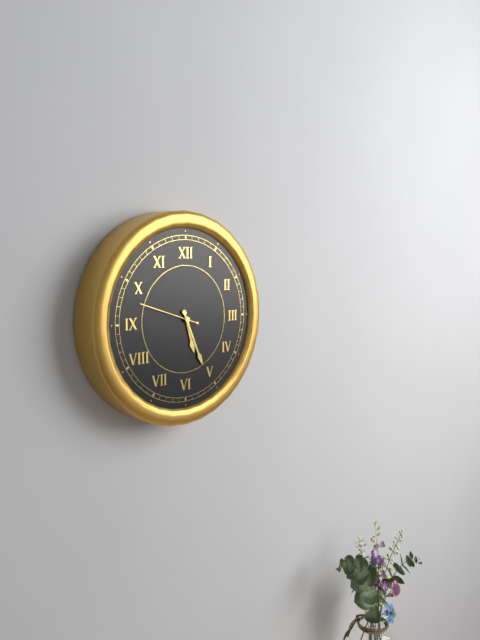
{"hour": 5, "minute": 26, "second": 48}
